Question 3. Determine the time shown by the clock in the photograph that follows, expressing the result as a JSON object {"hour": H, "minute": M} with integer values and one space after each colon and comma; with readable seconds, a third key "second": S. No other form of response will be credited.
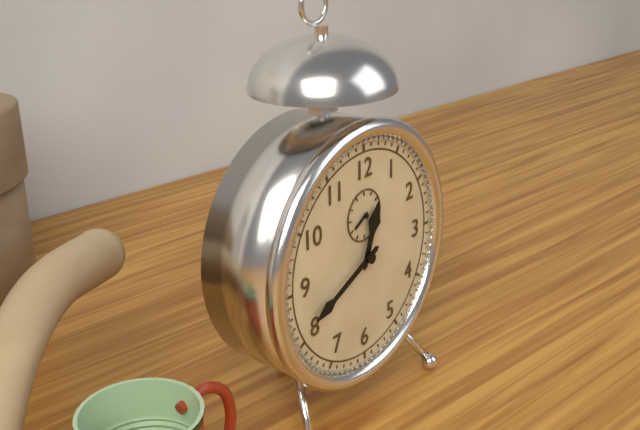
{"hour": 12, "minute": 41}
